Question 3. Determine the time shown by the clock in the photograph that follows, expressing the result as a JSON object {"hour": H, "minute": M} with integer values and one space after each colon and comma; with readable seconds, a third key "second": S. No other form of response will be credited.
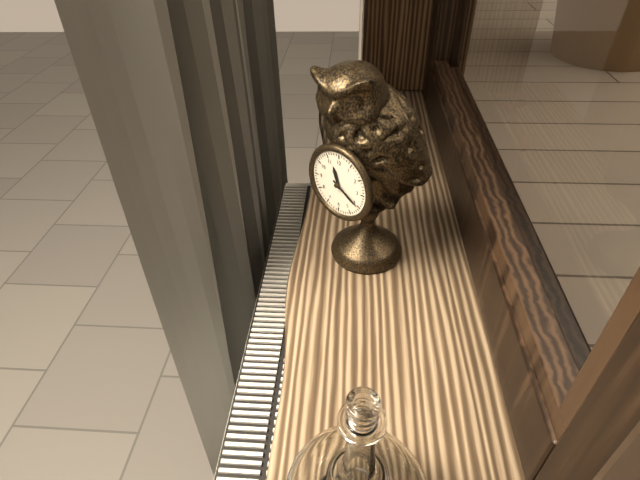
{"hour": 11, "minute": 20}
